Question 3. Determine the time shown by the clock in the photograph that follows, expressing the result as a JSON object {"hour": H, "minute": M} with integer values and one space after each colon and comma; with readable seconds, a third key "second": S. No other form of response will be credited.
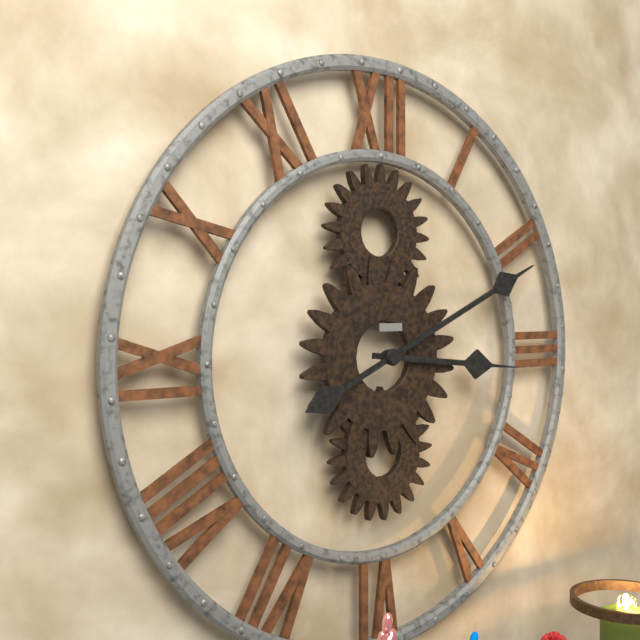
{"hour": 3, "minute": 11}
